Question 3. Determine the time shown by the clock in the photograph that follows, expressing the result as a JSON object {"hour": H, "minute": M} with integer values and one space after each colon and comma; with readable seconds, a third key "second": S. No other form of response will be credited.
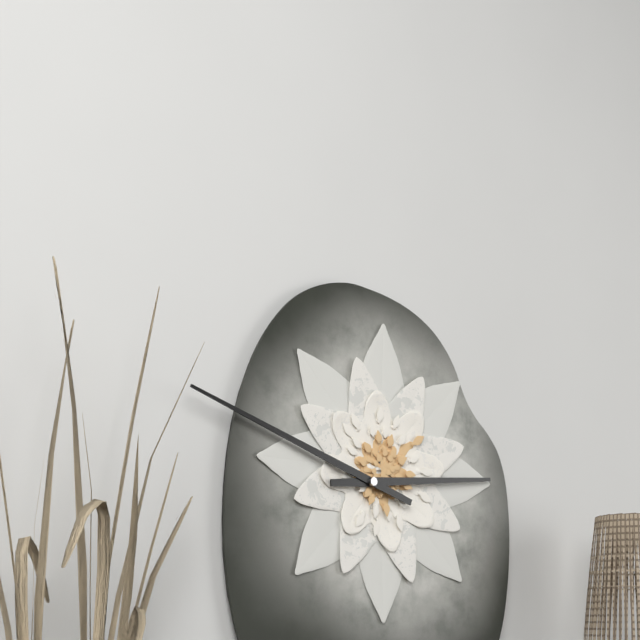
{"hour": 2, "minute": 48}
